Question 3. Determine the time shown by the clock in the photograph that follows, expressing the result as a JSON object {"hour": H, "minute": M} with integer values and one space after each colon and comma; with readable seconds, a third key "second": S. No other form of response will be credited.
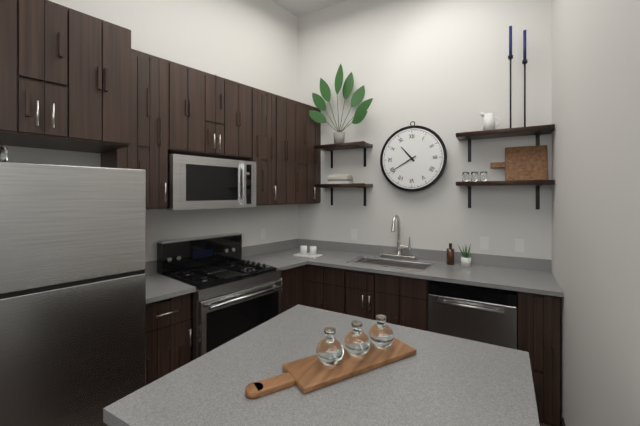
{"hour": 10, "minute": 40}
